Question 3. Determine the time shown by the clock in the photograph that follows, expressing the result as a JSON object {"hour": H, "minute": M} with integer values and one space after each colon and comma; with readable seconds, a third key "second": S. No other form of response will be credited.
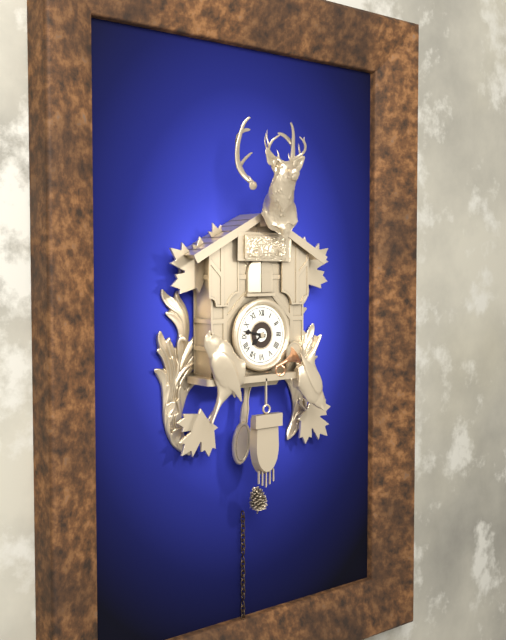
{"hour": 7, "minute": 47}
